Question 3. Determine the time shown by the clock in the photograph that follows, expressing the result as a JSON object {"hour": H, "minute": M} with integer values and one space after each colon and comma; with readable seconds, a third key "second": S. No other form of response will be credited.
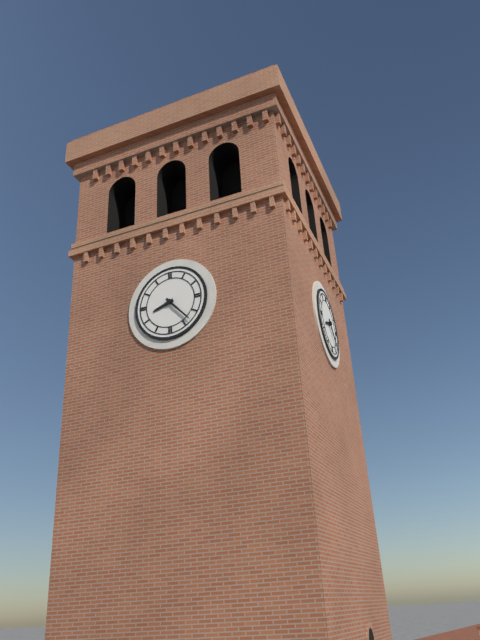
{"hour": 8, "minute": 23}
